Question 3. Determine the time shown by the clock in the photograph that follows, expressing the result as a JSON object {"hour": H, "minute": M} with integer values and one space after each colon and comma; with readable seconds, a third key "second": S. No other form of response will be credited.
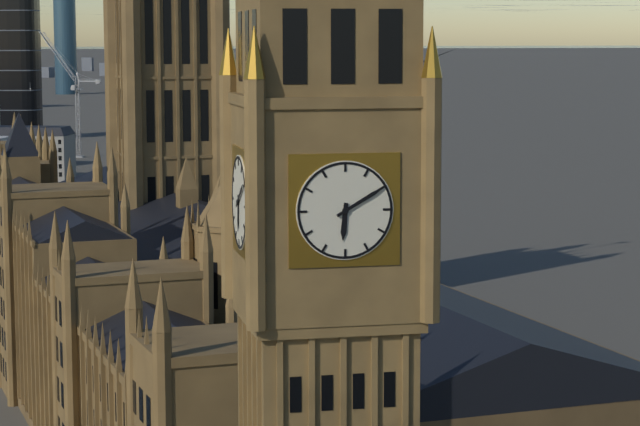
{"hour": 6, "minute": 10}
